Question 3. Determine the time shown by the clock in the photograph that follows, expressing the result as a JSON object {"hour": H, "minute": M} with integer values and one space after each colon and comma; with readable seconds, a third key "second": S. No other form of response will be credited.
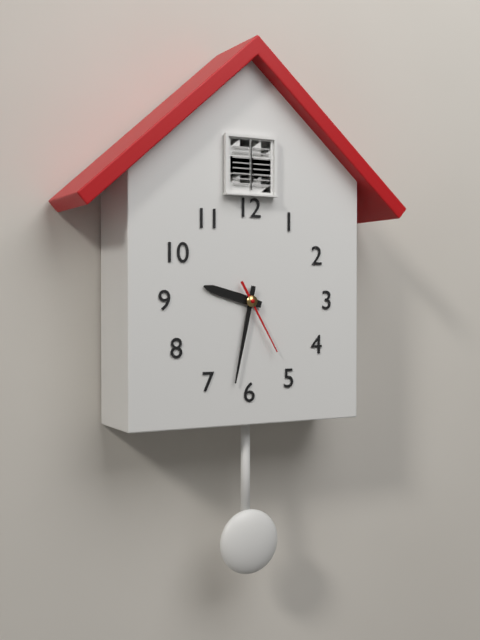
{"hour": 9, "minute": 32, "second": 25}
